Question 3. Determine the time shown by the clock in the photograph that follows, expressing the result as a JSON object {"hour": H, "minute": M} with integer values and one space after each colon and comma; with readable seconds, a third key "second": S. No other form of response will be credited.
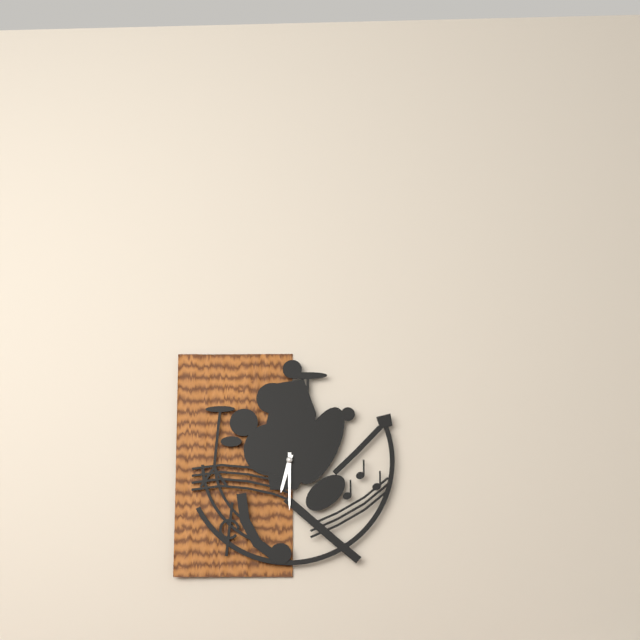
{"hour": 6, "minute": 30}
